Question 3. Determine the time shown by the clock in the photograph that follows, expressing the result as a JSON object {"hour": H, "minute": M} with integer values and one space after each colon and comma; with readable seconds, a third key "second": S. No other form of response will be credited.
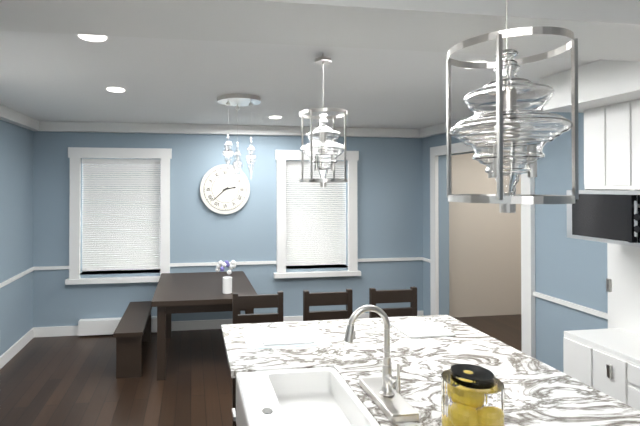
{"hour": 2, "minute": 38}
